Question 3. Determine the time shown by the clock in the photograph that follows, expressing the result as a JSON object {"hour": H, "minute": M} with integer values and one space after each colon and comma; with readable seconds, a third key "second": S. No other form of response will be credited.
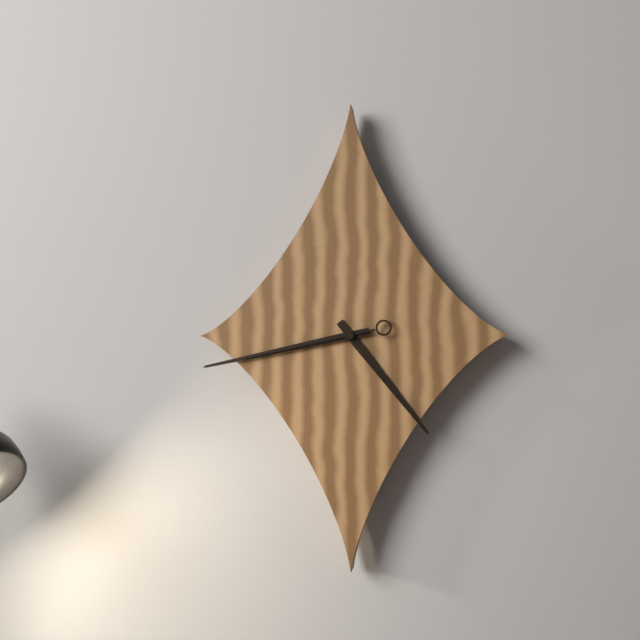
{"hour": 4, "minute": 43, "second": 43}
